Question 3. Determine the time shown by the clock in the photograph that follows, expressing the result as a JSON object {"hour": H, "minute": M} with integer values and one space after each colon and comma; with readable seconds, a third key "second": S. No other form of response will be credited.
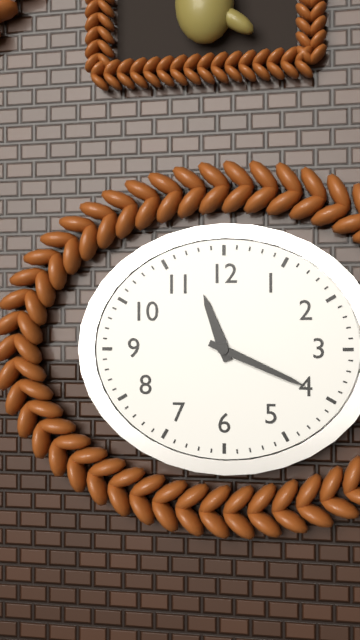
{"hour": 11, "minute": 19}
